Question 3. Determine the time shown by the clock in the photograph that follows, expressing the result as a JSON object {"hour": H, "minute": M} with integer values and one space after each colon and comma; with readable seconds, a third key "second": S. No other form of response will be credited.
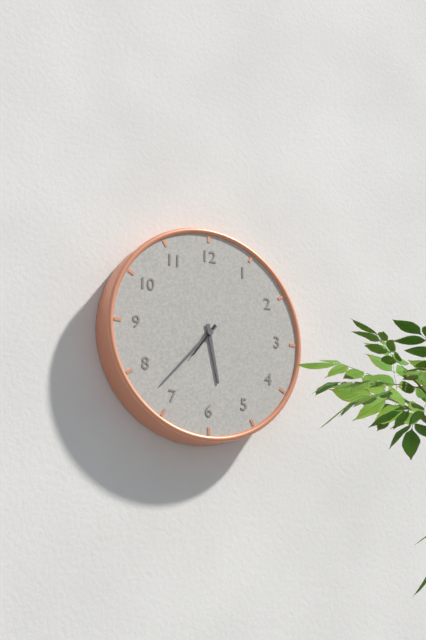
{"hour": 5, "minute": 37}
